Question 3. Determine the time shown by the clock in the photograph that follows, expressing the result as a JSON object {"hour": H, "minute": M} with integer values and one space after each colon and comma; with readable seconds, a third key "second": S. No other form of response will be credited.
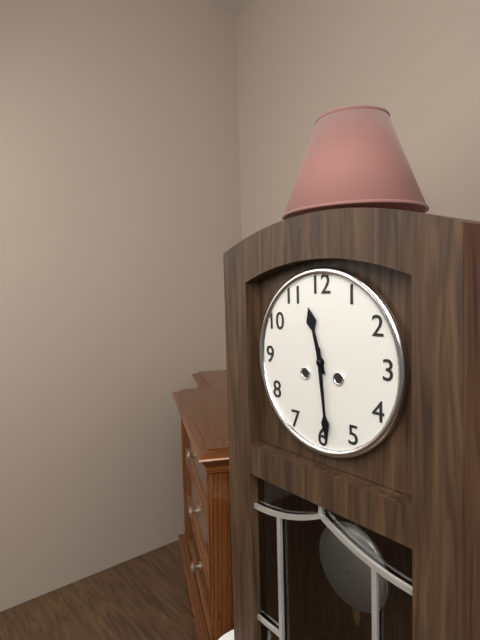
{"hour": 11, "minute": 29}
